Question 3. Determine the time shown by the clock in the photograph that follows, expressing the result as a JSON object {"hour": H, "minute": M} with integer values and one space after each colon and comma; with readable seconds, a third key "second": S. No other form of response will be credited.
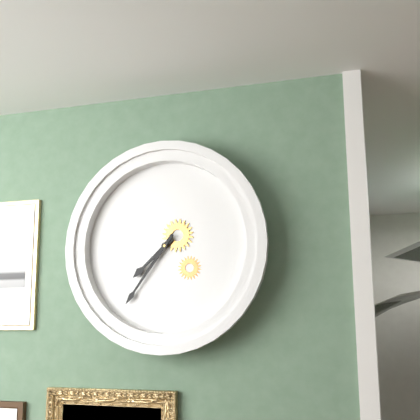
{"hour": 7, "minute": 36}
